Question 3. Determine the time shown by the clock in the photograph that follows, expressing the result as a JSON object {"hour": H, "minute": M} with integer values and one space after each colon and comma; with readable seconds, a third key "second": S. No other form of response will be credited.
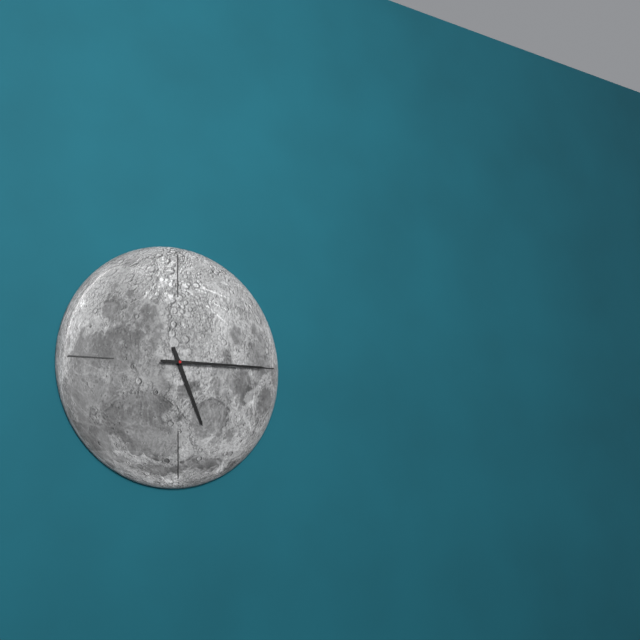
{"hour": 5, "minute": 15}
